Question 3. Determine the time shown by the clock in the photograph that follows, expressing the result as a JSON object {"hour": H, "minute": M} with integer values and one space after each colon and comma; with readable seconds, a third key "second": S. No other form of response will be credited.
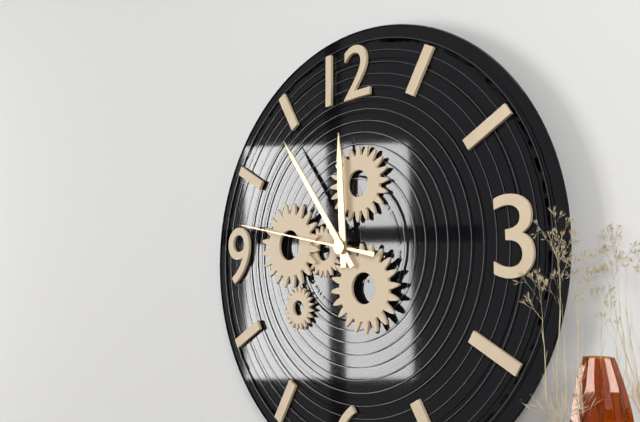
{"hour": 11, "minute": 54, "second": 47}
